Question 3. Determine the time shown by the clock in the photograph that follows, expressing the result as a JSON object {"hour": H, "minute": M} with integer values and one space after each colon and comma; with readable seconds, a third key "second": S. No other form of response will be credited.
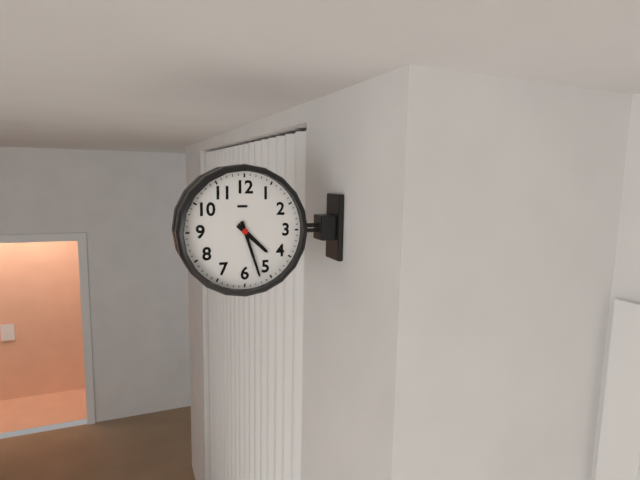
{"hour": 4, "minute": 27}
